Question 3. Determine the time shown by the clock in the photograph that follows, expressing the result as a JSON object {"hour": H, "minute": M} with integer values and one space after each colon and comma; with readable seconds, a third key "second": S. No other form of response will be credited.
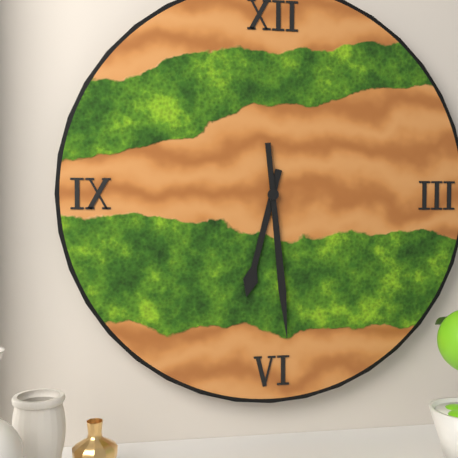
{"hour": 6, "minute": 29}
